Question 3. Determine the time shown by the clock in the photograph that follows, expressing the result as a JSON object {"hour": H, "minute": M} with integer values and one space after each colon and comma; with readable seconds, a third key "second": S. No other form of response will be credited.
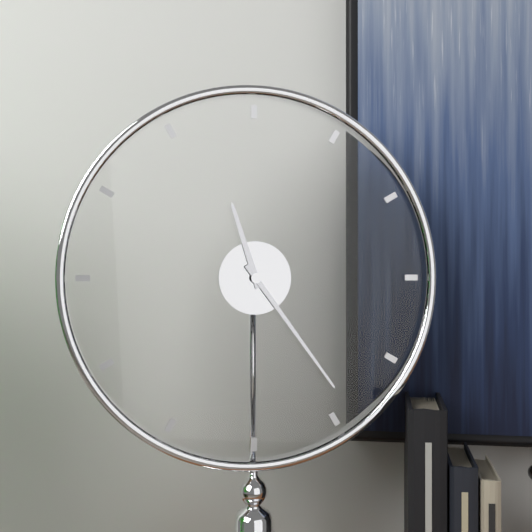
{"hour": 11, "minute": 24}
